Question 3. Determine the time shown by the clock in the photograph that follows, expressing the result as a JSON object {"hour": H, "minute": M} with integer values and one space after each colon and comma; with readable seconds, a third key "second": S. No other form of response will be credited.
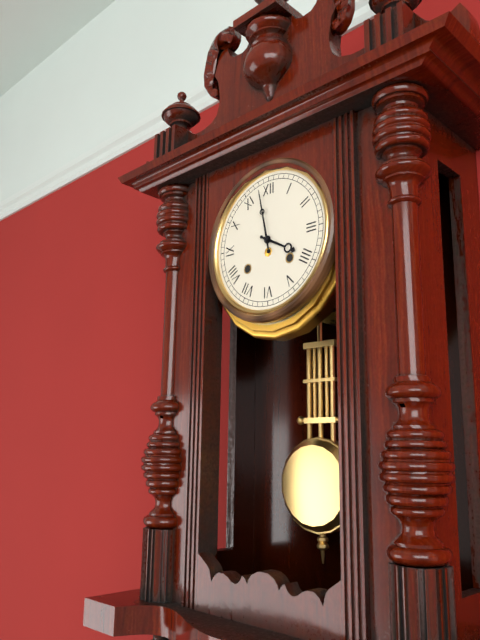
{"hour": 3, "minute": 58}
